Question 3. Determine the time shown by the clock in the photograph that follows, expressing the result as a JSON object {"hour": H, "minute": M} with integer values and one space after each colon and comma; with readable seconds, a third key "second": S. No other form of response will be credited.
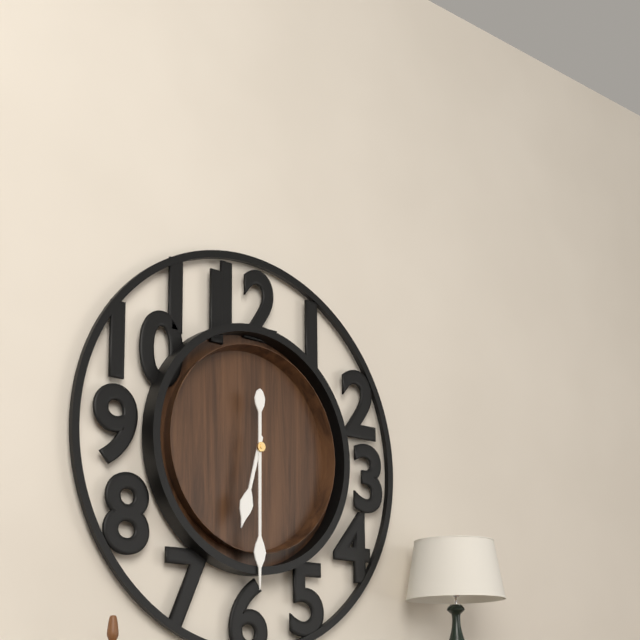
{"hour": 6, "minute": 30}
